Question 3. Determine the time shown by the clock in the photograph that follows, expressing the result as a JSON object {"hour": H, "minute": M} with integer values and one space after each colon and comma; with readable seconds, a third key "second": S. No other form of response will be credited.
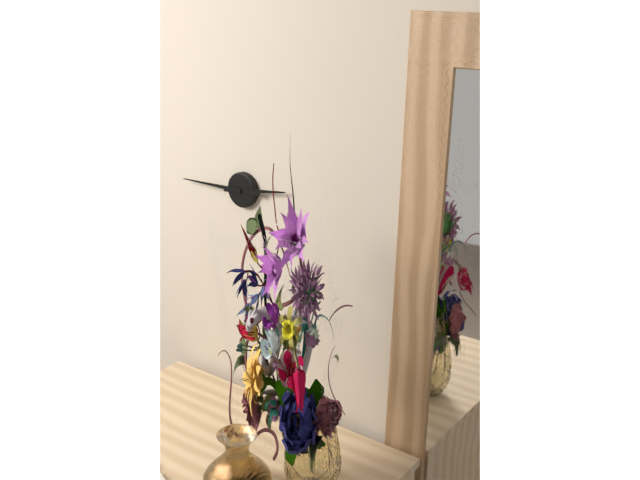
{"hour": 2, "minute": 45}
